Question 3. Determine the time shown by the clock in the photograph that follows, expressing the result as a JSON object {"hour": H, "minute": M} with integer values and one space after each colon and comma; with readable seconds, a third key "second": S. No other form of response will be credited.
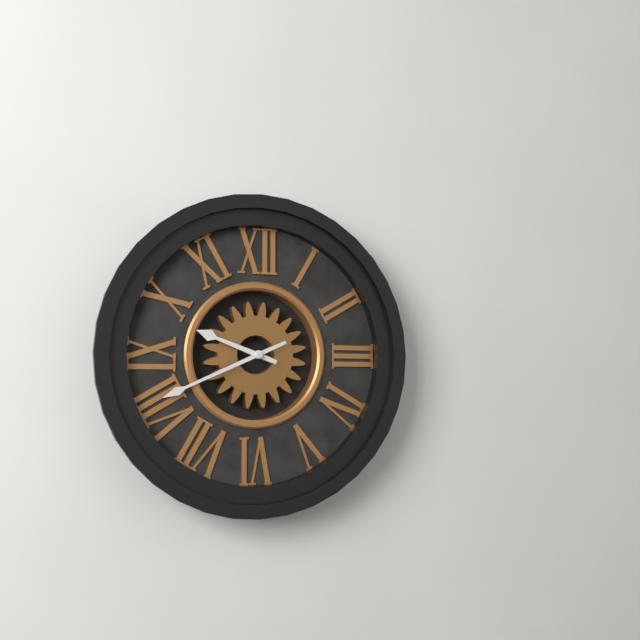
{"hour": 9, "minute": 41}
